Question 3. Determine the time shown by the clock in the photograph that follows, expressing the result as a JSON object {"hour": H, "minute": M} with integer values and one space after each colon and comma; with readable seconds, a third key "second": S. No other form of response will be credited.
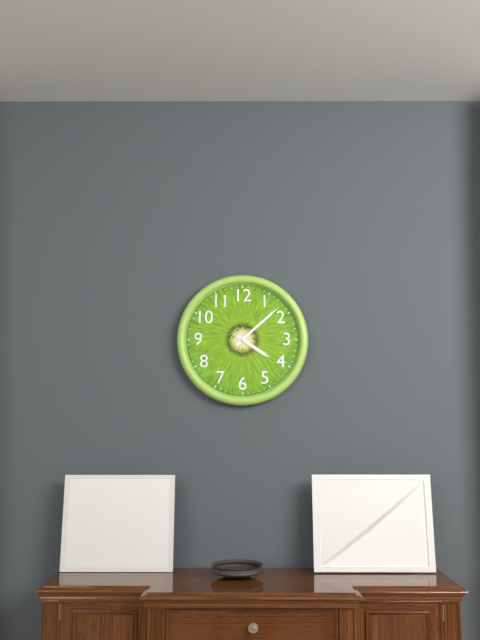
{"hour": 4, "minute": 8}
